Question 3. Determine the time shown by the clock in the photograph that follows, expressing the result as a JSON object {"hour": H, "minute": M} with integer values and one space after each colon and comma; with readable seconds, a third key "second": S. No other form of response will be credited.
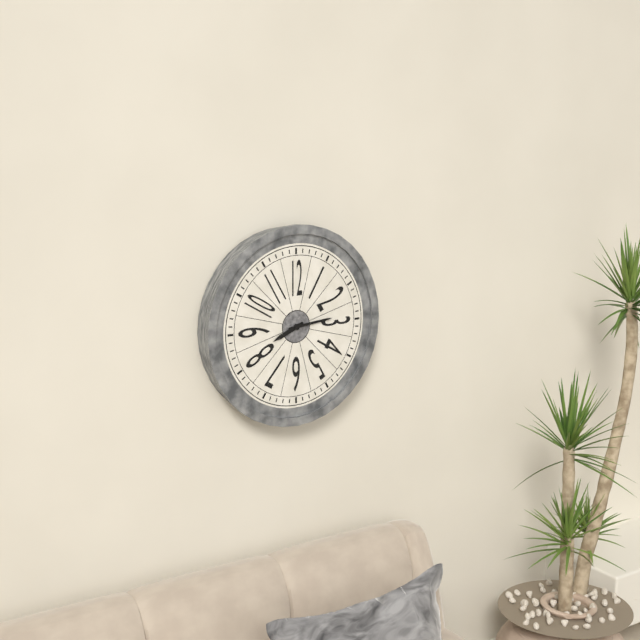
{"hour": 8, "minute": 14}
